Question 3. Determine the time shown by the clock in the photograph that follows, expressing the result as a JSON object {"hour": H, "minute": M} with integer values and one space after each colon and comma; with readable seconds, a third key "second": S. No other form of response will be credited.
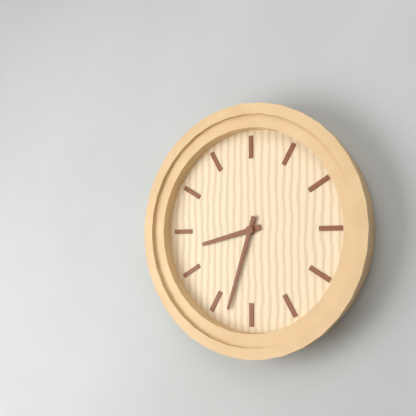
{"hour": 8, "minute": 33}
